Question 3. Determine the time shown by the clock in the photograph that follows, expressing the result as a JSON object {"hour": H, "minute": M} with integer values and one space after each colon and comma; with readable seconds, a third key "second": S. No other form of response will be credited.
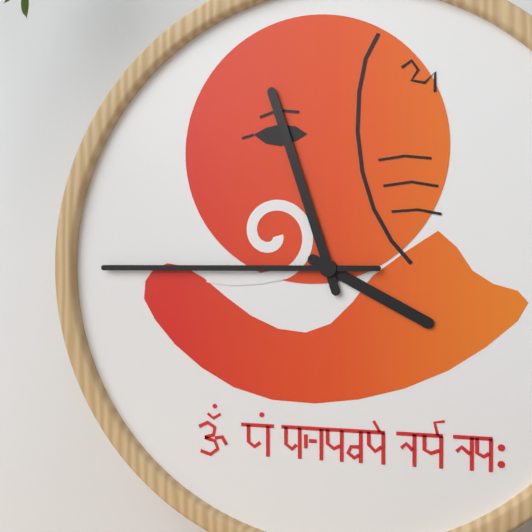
{"hour": 3, "minute": 57, "second": 45}
